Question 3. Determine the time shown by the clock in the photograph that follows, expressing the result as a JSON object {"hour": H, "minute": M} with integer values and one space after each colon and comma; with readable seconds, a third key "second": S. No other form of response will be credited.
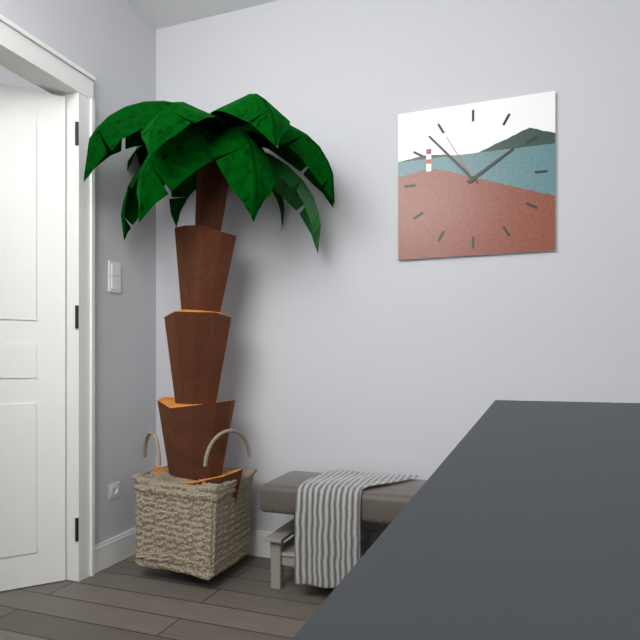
{"hour": 1, "minute": 53, "second": 55}
